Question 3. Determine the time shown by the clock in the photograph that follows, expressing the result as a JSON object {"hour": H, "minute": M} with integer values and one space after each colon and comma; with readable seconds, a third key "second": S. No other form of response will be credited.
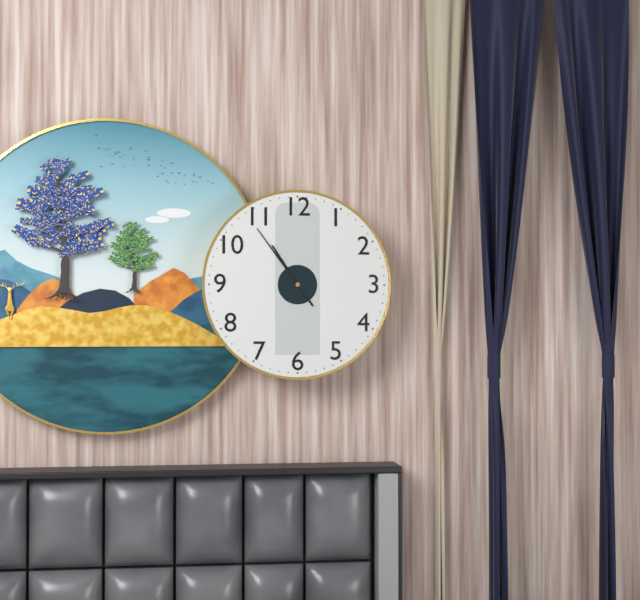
{"hour": 10, "minute": 54}
